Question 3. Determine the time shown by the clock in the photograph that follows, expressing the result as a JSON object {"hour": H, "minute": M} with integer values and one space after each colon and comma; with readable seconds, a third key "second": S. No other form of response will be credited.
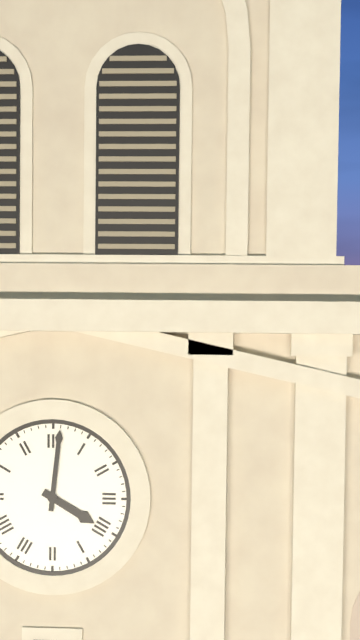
{"hour": 4, "minute": 1}
